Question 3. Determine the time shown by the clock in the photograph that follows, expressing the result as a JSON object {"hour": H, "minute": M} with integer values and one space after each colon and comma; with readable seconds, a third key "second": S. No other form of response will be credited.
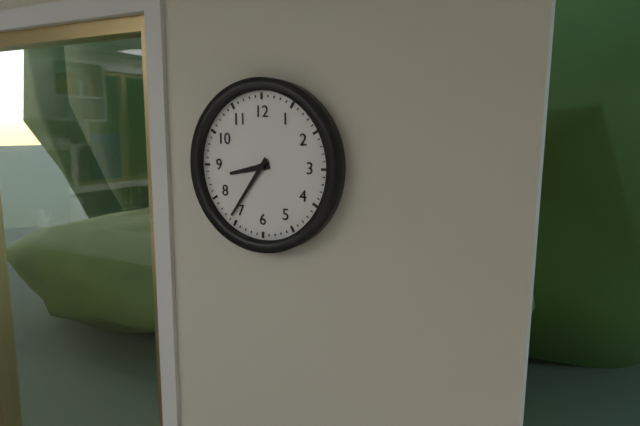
{"hour": 8, "minute": 36}
